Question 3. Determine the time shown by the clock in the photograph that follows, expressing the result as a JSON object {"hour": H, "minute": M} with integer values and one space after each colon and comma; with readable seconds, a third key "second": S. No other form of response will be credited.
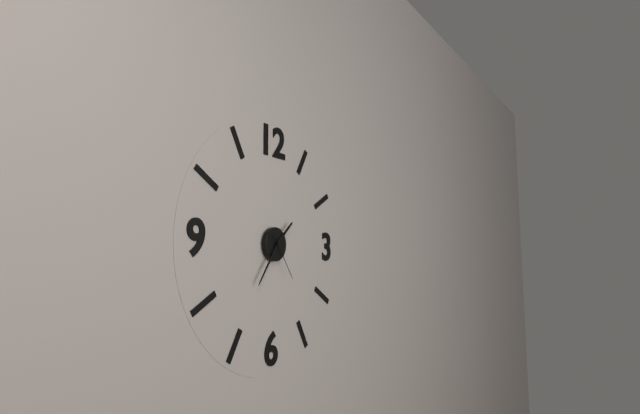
{"hour": 1, "minute": 36}
